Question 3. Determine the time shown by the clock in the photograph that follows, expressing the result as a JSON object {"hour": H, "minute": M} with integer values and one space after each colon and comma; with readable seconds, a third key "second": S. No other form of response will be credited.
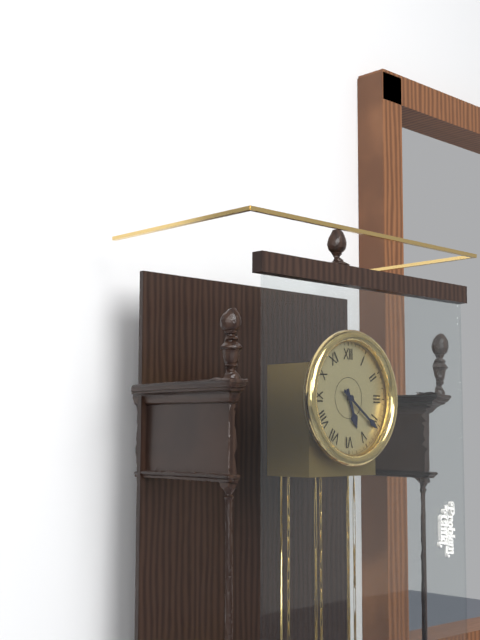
{"hour": 5, "minute": 21}
